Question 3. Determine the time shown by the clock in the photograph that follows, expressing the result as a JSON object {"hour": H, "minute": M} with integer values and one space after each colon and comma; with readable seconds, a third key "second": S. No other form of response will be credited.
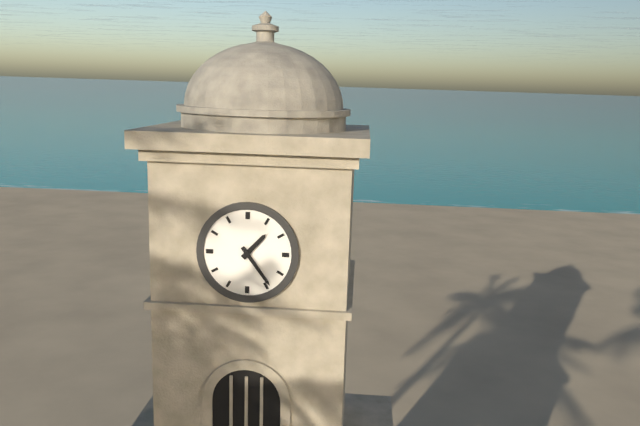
{"hour": 1, "minute": 24}
